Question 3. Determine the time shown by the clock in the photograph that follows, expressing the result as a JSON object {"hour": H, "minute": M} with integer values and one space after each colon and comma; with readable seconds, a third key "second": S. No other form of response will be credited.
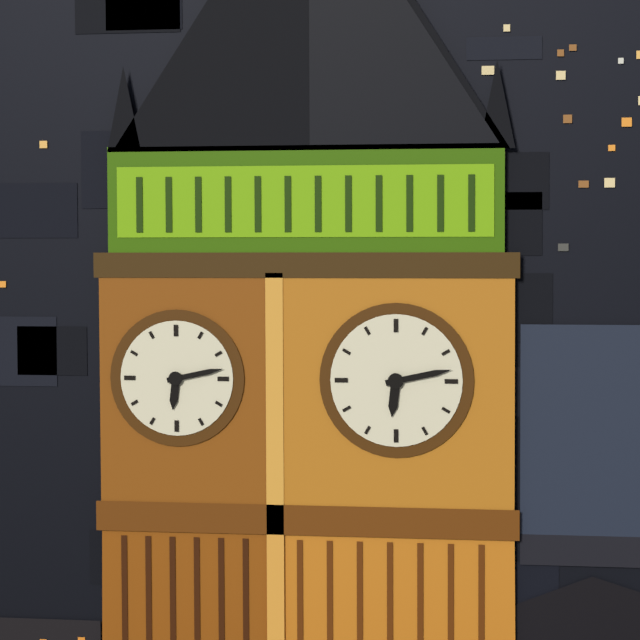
{"hour": 6, "minute": 13}
